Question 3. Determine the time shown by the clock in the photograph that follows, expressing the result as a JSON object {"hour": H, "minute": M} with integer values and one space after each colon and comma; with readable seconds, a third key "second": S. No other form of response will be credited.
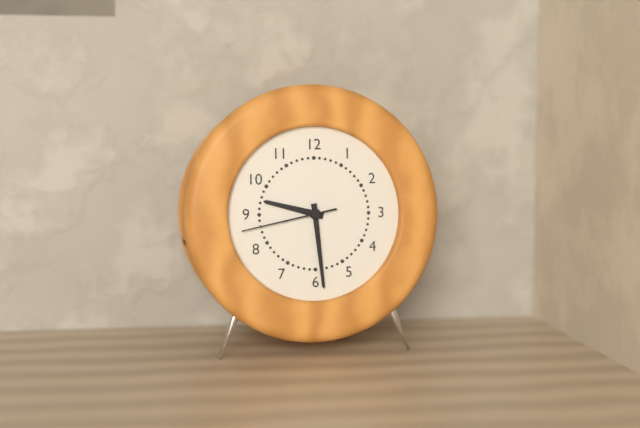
{"hour": 9, "minute": 29, "second": 43}
